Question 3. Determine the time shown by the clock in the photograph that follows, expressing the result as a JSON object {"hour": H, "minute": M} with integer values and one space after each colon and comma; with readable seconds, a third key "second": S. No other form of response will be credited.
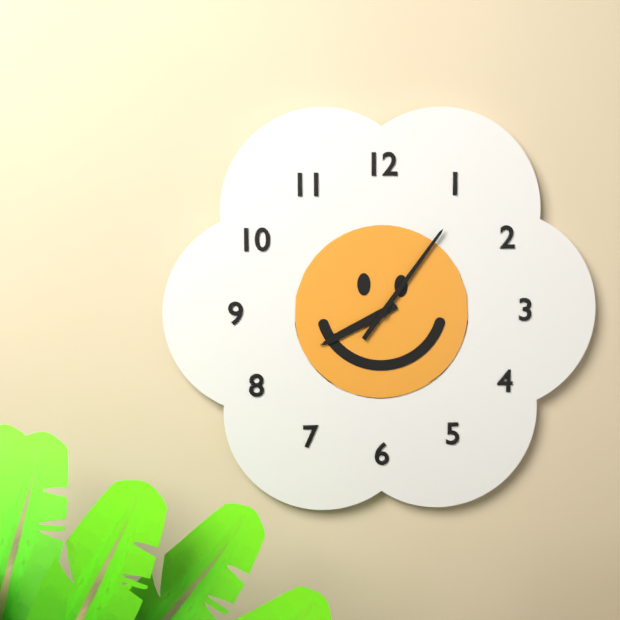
{"hour": 8, "minute": 6}
